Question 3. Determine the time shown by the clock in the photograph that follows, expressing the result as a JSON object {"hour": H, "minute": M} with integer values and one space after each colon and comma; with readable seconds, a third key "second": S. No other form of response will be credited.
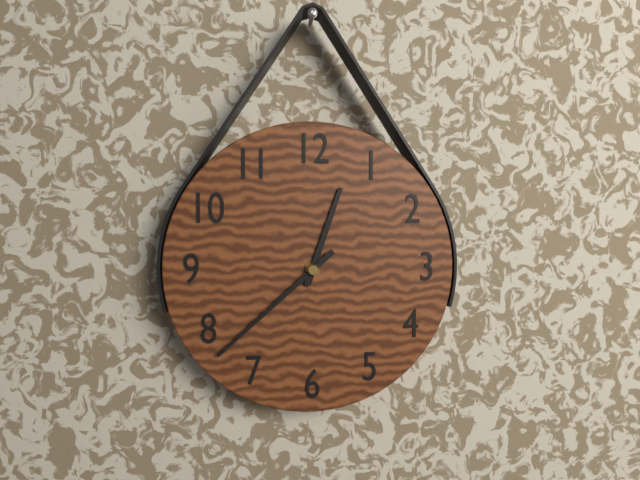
{"hour": 12, "minute": 38}
